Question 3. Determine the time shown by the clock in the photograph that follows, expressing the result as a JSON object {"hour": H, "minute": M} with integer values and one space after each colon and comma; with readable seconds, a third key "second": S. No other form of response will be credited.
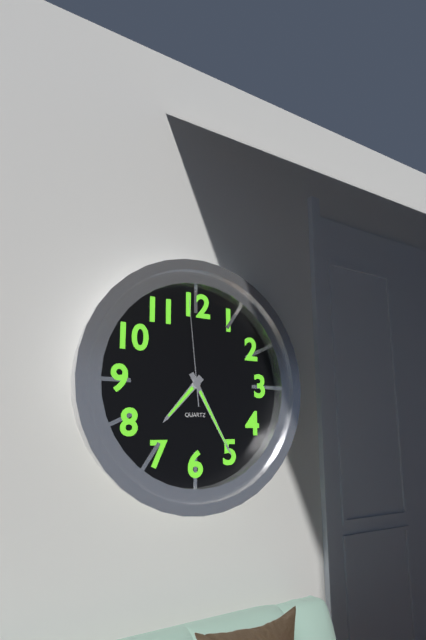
{"hour": 7, "minute": 25, "second": 59}
